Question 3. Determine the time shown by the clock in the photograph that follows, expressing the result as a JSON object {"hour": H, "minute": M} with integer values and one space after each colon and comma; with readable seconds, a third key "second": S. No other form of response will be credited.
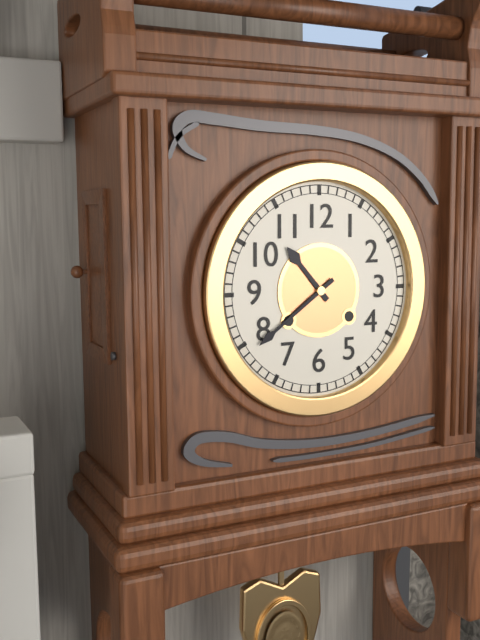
{"hour": 10, "minute": 39}
